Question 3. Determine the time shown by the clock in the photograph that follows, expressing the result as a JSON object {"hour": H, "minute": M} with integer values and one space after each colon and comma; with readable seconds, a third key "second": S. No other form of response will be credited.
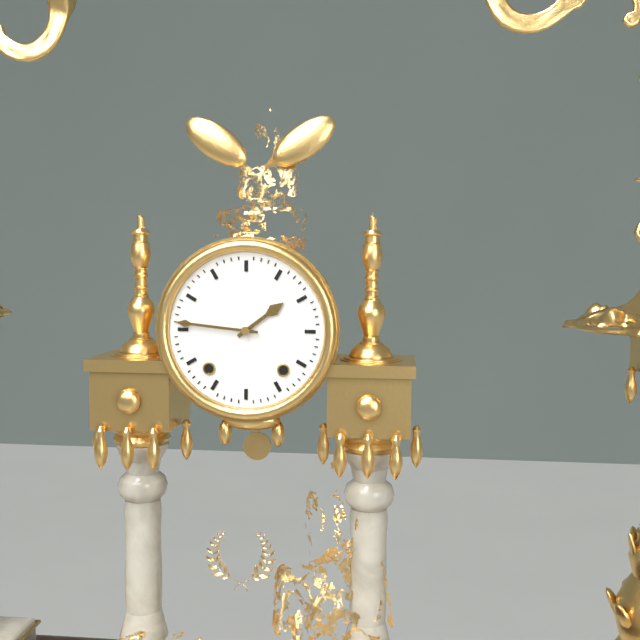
{"hour": 1, "minute": 46}
